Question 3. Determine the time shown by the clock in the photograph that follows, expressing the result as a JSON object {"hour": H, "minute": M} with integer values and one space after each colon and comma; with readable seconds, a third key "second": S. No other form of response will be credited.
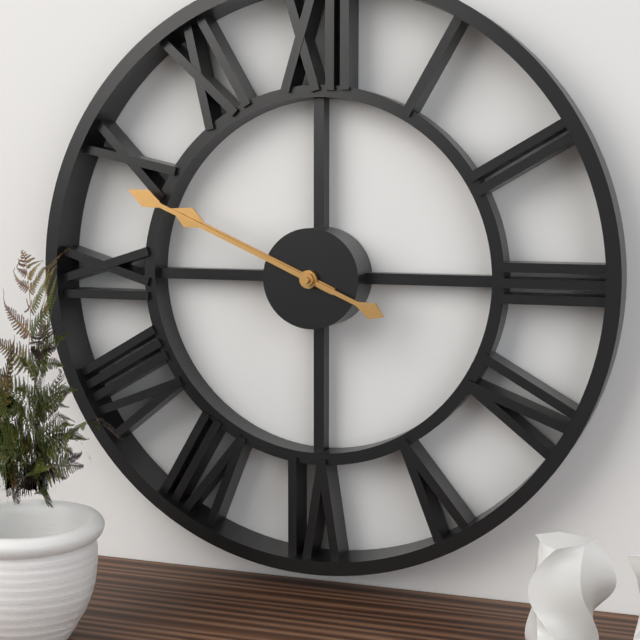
{"hour": 9, "minute": 49}
